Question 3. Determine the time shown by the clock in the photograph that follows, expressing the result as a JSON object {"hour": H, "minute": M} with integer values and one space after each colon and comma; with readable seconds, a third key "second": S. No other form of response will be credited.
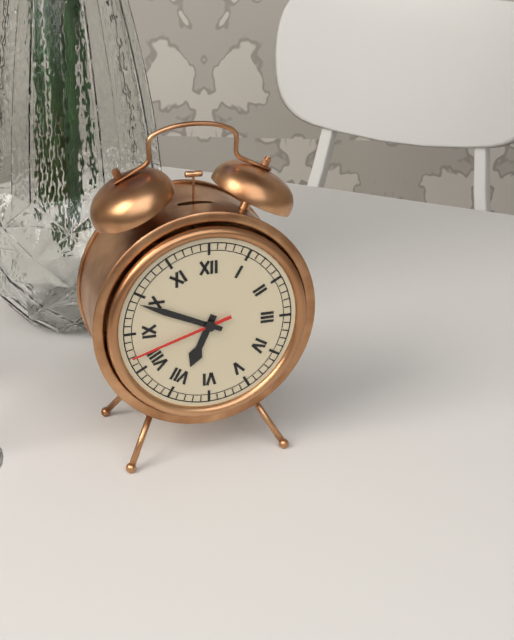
{"hour": 6, "minute": 49, "second": 42}
